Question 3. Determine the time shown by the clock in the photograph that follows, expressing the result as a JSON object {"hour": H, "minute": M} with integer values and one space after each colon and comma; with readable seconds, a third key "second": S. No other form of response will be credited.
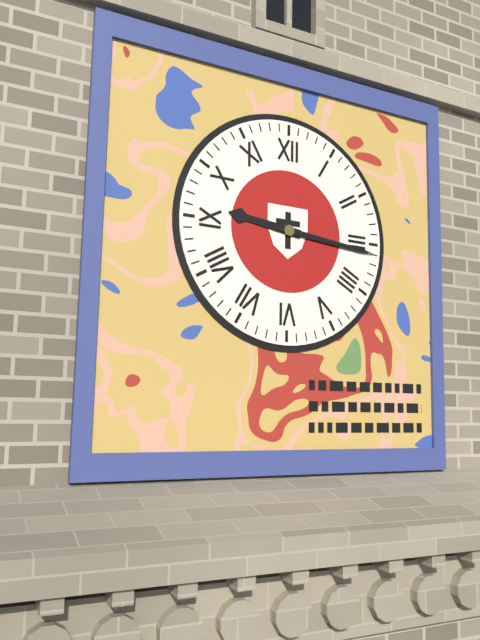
{"hour": 9, "minute": 16}
